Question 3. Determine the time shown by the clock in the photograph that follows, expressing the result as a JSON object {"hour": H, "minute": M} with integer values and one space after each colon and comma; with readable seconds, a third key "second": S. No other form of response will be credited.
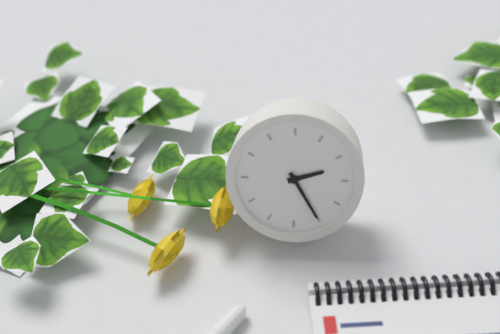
{"hour": 2, "minute": 25}
